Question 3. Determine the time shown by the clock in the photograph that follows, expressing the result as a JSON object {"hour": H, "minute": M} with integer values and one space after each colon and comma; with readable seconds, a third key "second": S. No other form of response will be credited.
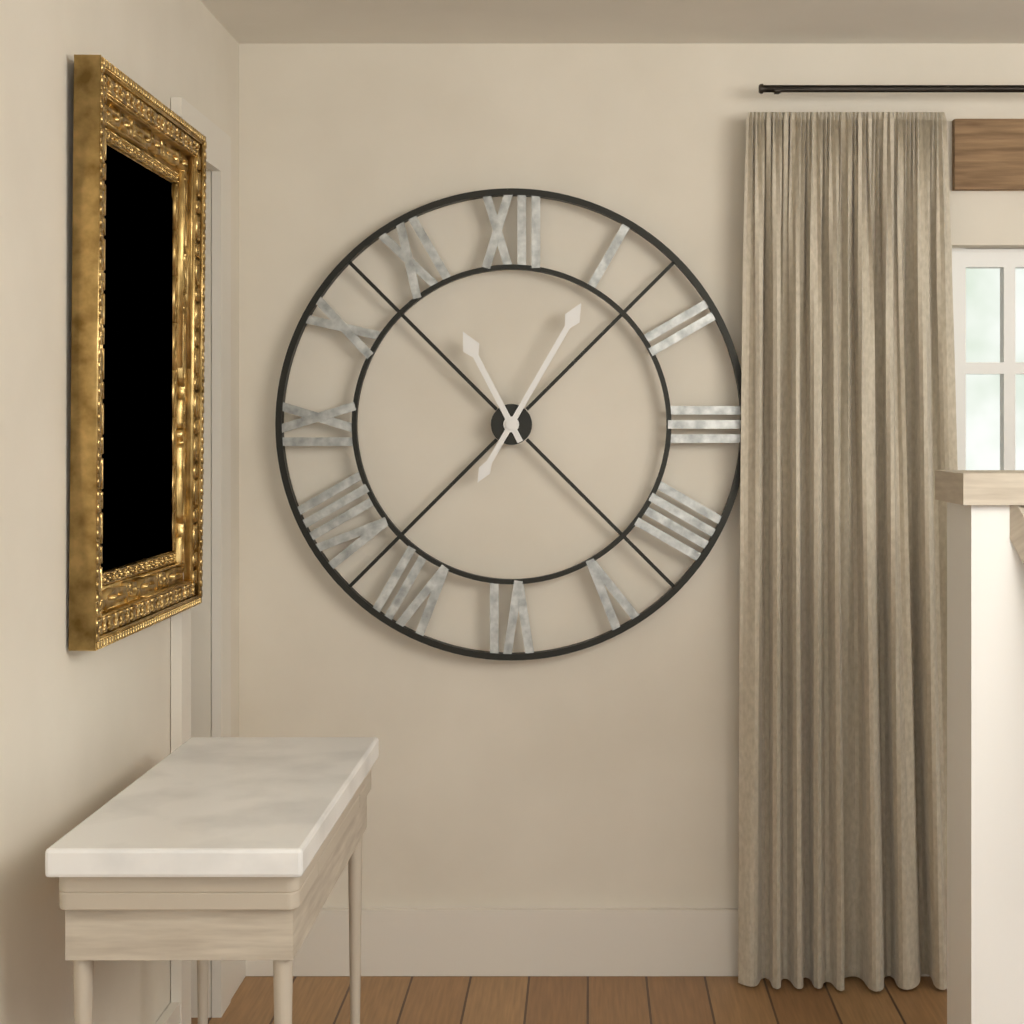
{"hour": 11, "minute": 5}
